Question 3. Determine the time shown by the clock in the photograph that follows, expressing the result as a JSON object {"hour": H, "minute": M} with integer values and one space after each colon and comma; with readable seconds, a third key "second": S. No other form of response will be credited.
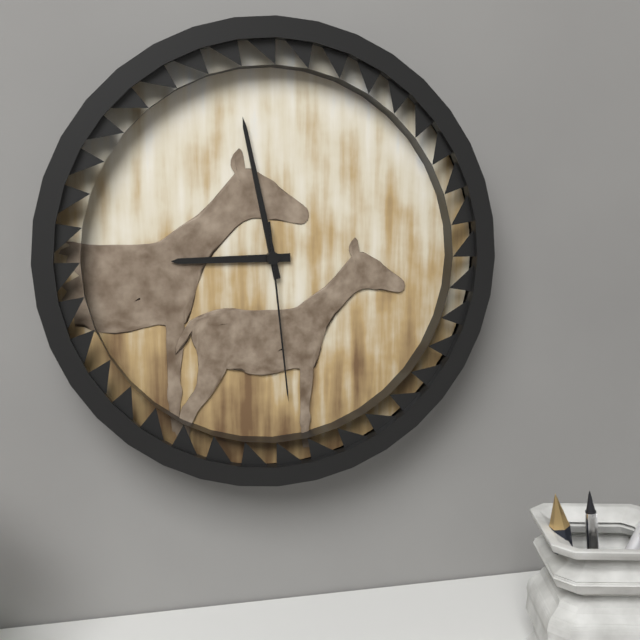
{"hour": 8, "minute": 58, "second": 29}
